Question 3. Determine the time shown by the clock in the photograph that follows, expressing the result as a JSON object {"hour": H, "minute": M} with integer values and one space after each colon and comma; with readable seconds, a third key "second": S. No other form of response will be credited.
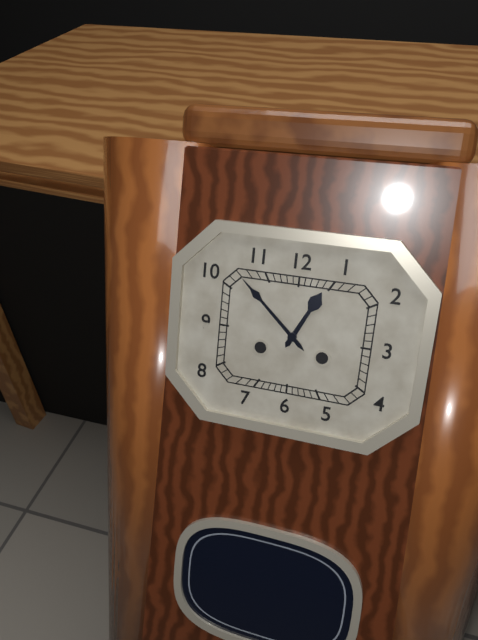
{"hour": 12, "minute": 52}
